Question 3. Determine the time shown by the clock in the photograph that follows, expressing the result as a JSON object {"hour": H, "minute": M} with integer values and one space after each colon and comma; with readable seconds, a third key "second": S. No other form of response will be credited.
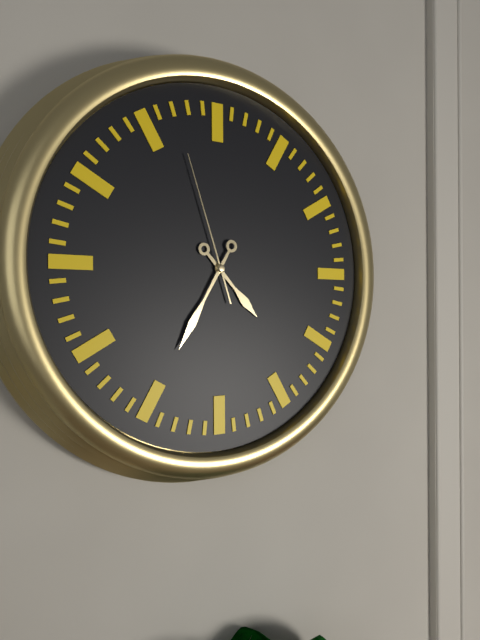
{"hour": 4, "minute": 35, "second": 57}
